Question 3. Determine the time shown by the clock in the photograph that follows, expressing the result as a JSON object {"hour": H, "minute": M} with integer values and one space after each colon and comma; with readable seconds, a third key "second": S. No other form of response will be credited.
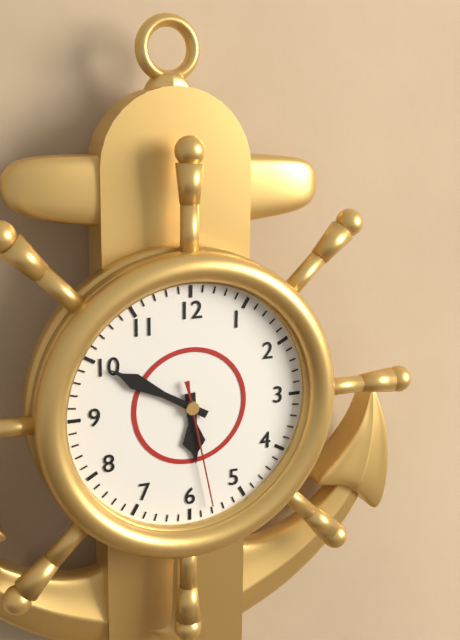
{"hour": 5, "minute": 50, "second": 28}
